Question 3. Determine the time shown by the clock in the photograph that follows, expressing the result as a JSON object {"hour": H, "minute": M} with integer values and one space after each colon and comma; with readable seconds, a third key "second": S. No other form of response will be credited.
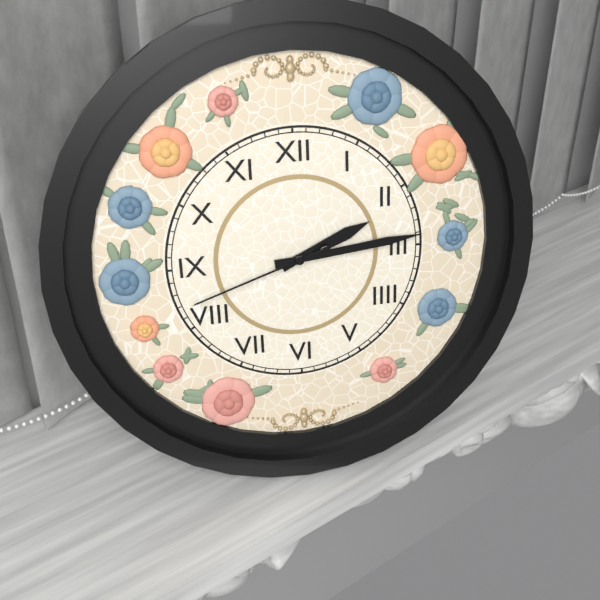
{"hour": 2, "minute": 14, "second": 42}
